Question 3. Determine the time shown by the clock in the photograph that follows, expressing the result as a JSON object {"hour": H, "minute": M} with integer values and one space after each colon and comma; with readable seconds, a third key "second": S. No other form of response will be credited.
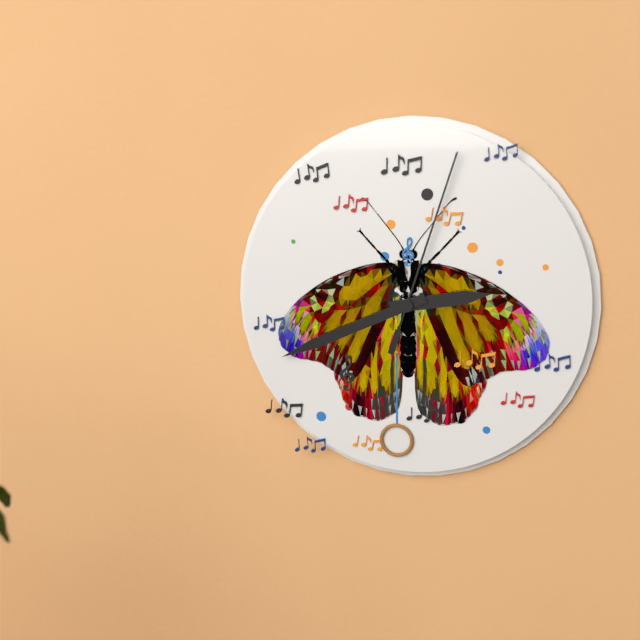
{"hour": 2, "minute": 41, "second": 3}
